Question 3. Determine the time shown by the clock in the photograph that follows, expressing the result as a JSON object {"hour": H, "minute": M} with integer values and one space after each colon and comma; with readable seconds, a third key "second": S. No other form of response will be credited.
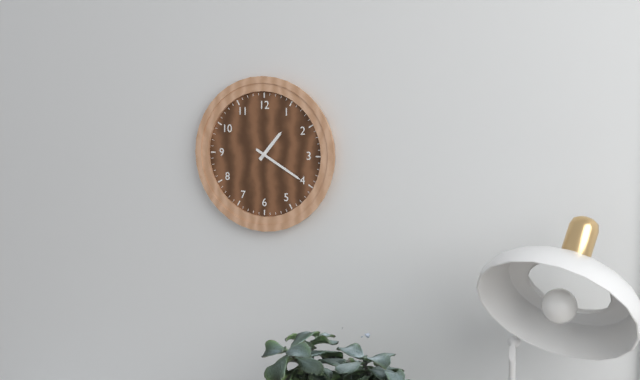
{"hour": 1, "minute": 20}
